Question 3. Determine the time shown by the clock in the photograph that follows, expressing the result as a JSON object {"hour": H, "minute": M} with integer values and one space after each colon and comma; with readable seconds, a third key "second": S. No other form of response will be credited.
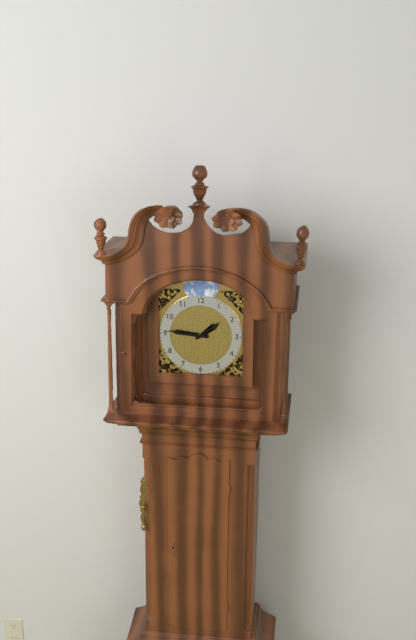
{"hour": 1, "minute": 46}
